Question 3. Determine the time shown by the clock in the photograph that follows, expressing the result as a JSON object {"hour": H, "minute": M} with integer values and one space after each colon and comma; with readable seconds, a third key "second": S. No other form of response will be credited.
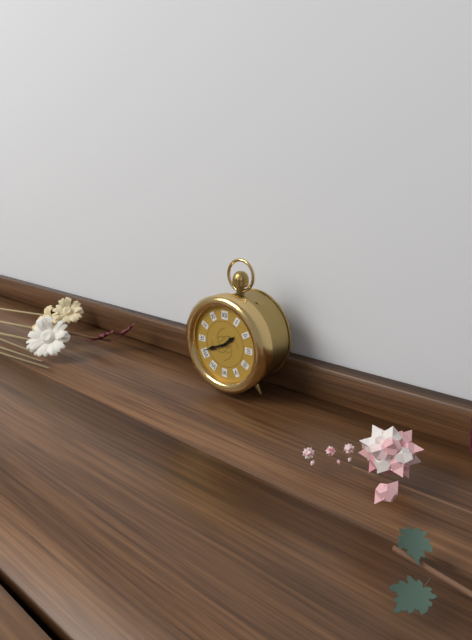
{"hour": 1, "minute": 41}
